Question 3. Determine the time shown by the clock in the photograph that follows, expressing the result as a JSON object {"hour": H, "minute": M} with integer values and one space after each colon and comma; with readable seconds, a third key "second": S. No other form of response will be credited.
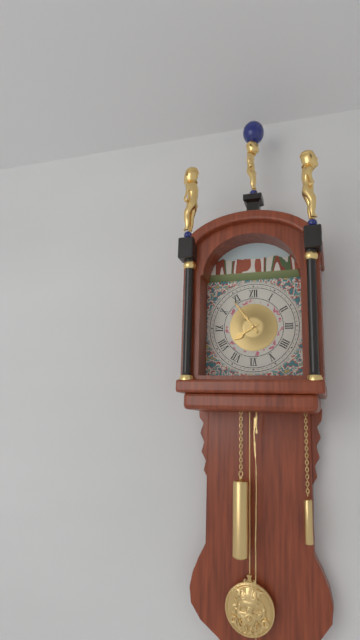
{"hour": 7, "minute": 54}
